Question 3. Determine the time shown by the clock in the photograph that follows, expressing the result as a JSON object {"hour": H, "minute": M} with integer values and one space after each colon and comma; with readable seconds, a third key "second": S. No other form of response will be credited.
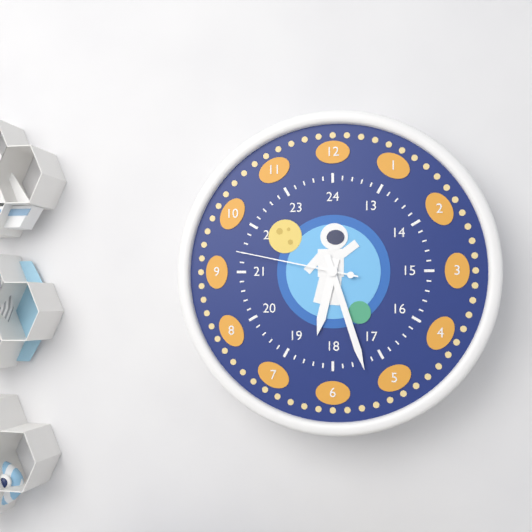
{"hour": 6, "minute": 27, "second": 47}
